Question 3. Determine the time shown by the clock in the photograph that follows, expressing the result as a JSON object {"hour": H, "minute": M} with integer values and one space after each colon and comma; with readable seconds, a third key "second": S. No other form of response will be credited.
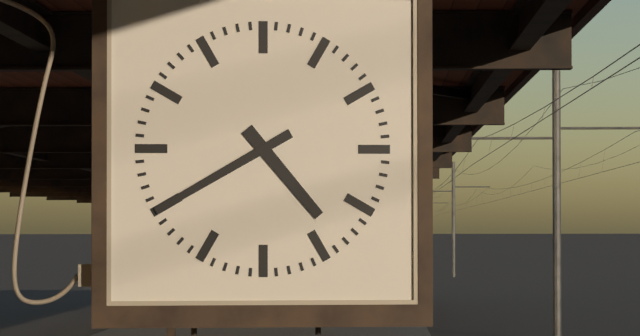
{"hour": 4, "minute": 40}
